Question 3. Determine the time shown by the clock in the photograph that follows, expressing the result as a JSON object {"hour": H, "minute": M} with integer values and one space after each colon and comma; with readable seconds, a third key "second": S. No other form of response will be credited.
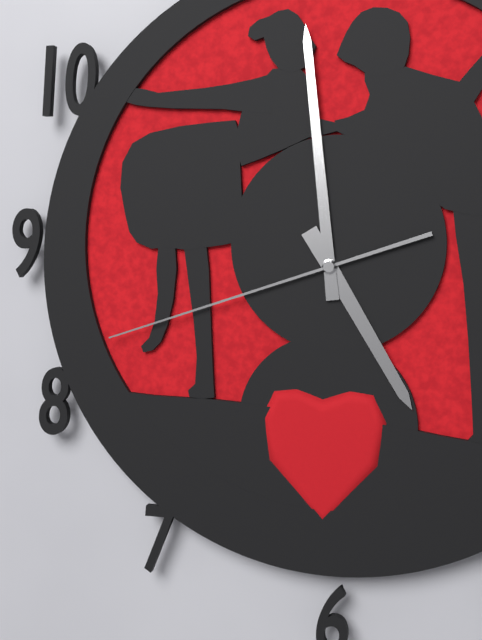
{"hour": 4, "minute": 59, "second": 42}
